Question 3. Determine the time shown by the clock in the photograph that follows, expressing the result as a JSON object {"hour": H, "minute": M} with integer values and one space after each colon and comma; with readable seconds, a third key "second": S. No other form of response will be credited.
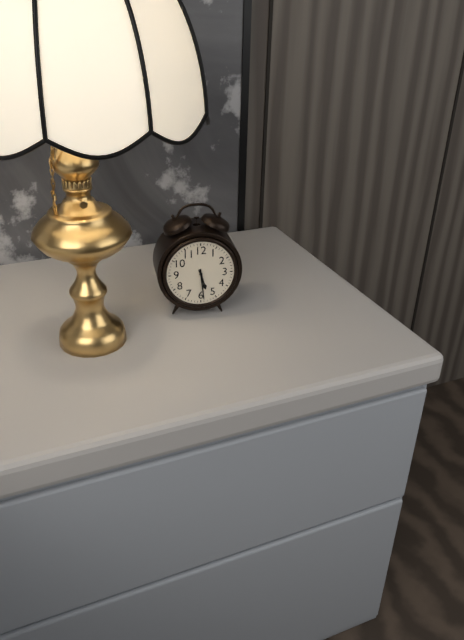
{"hour": 5, "minute": 29}
